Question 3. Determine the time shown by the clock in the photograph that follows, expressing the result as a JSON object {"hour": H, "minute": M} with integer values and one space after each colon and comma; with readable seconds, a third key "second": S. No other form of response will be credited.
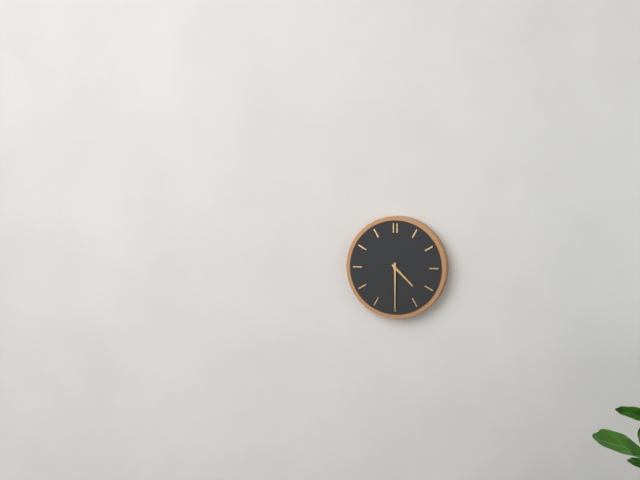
{"hour": 4, "minute": 30}
